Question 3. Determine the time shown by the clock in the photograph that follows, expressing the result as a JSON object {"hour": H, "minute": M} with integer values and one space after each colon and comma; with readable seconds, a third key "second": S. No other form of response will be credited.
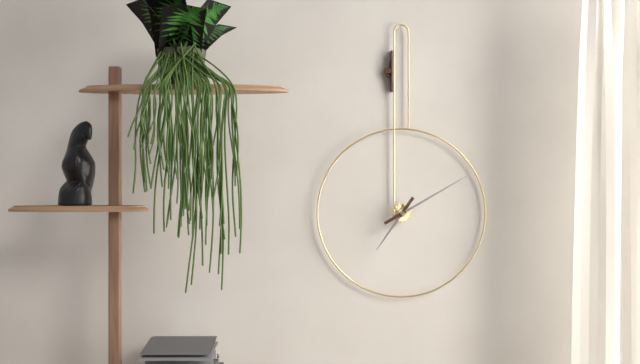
{"hour": 7, "minute": 10}
